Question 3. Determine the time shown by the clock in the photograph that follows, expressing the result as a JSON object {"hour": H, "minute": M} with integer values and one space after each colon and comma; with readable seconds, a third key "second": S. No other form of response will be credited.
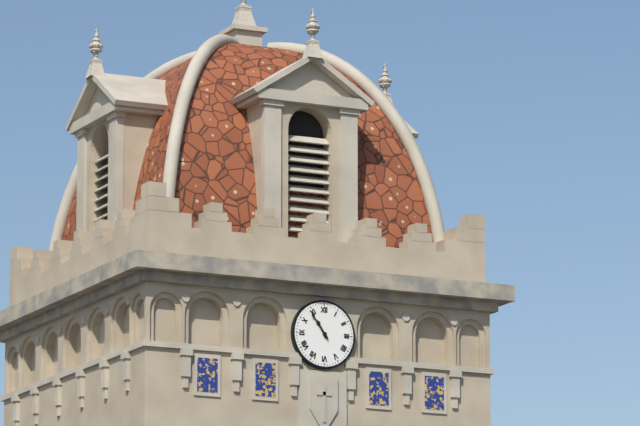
{"hour": 10, "minute": 54}
